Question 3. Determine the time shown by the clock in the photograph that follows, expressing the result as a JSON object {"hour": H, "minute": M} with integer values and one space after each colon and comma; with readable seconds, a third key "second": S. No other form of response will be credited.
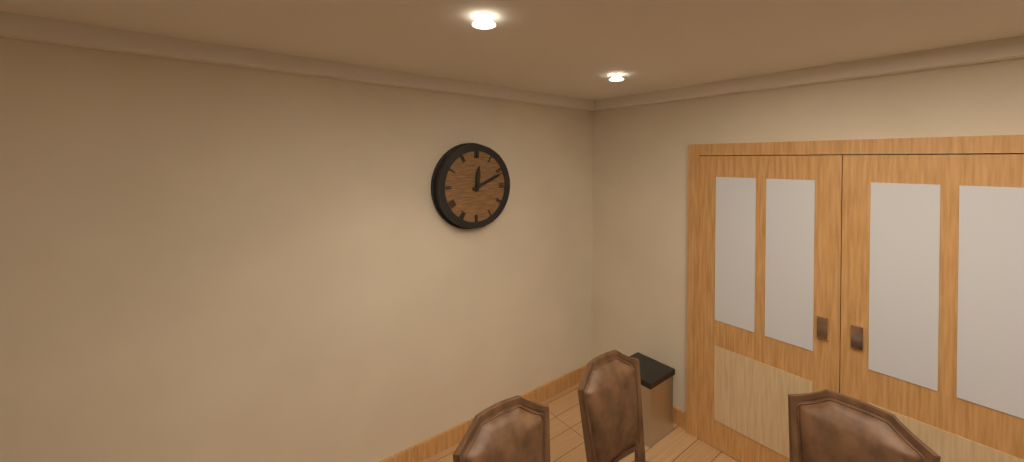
{"hour": 12, "minute": 11}
